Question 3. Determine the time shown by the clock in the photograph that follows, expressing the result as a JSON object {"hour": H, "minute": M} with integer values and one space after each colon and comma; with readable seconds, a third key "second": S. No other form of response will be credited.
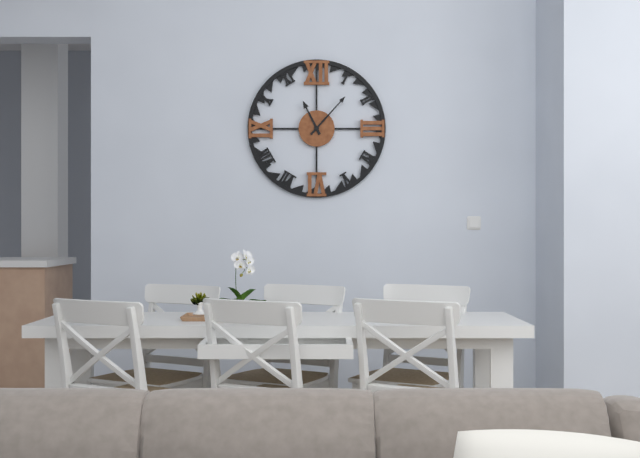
{"hour": 11, "minute": 7}
